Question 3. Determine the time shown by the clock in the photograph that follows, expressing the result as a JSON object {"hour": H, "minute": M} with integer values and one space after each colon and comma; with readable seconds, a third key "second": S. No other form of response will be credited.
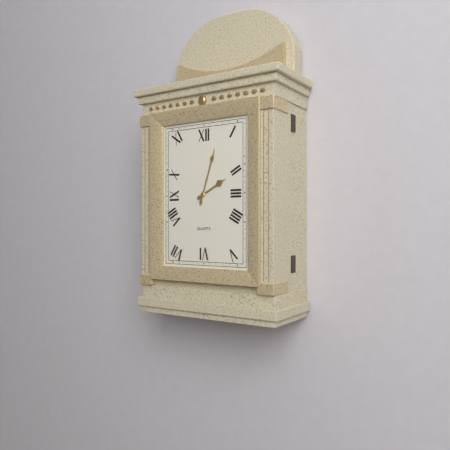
{"hour": 2, "minute": 3}
